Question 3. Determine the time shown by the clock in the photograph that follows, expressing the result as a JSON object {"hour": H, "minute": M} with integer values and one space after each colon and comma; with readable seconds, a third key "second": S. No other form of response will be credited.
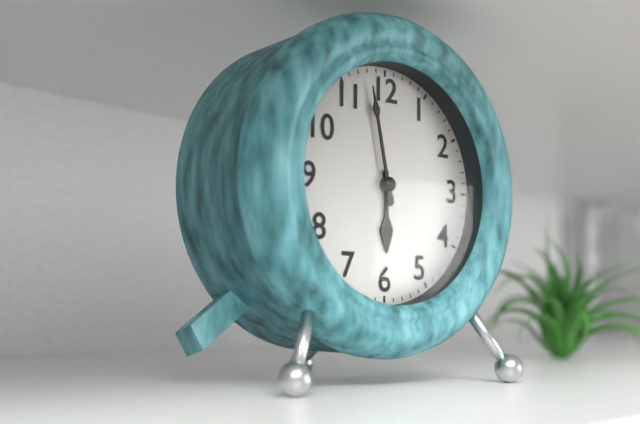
{"hour": 5, "minute": 58}
